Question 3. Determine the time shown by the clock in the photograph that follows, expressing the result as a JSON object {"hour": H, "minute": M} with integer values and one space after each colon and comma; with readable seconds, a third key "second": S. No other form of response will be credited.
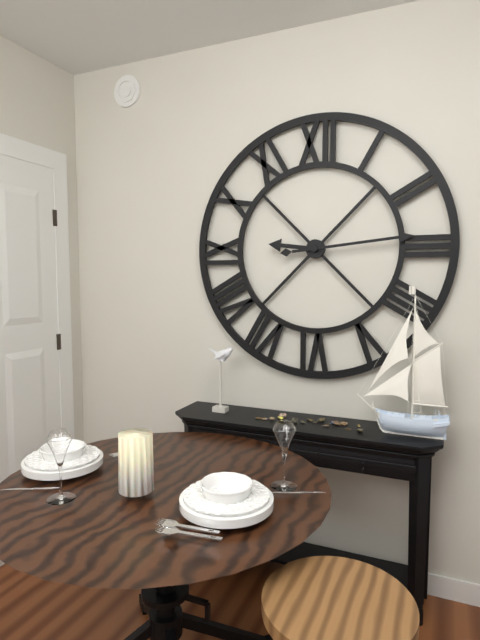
{"hour": 9, "minute": 14}
